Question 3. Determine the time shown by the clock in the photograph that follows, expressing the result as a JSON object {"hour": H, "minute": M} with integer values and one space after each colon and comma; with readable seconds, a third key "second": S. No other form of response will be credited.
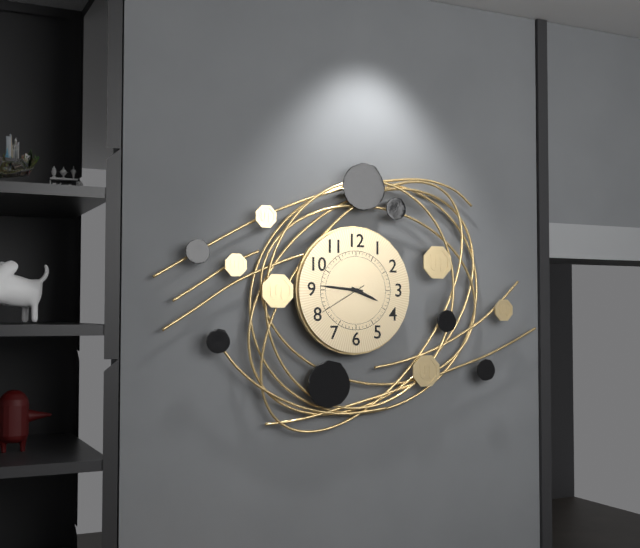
{"hour": 3, "minute": 46, "second": 40}
